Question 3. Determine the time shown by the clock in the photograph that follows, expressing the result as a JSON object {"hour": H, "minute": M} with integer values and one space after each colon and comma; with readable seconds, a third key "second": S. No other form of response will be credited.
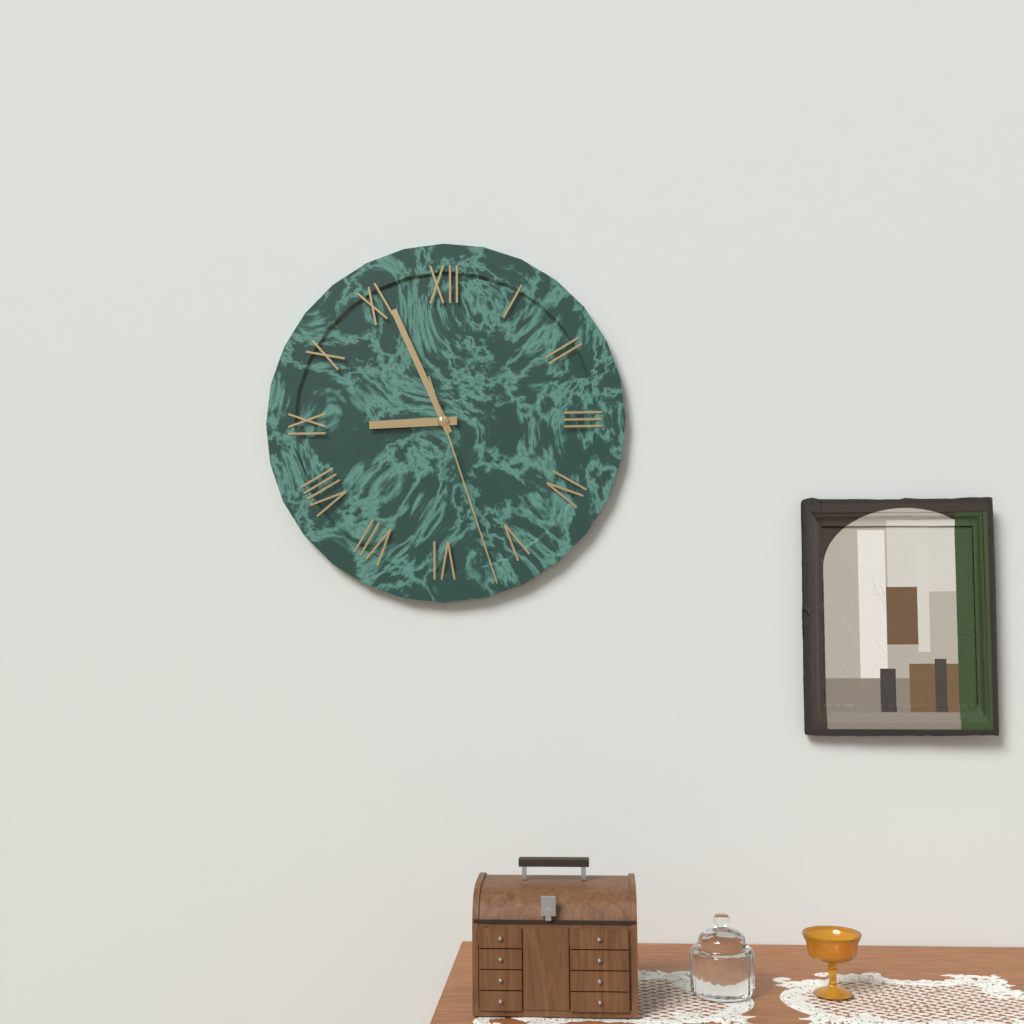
{"hour": 8, "minute": 56, "second": 27}
